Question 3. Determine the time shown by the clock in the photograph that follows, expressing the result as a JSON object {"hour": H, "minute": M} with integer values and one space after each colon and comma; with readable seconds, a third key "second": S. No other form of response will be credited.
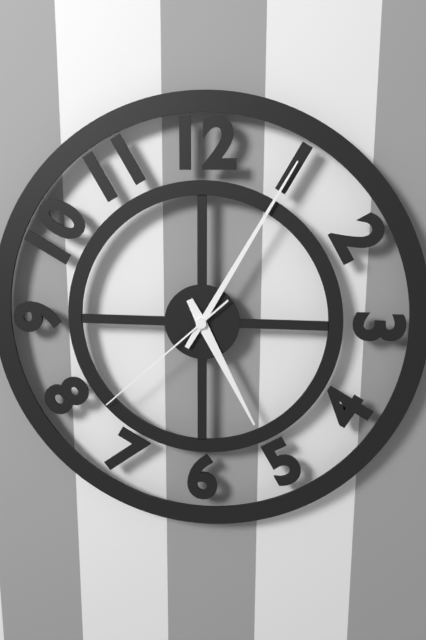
{"hour": 5, "minute": 5, "second": 38}
